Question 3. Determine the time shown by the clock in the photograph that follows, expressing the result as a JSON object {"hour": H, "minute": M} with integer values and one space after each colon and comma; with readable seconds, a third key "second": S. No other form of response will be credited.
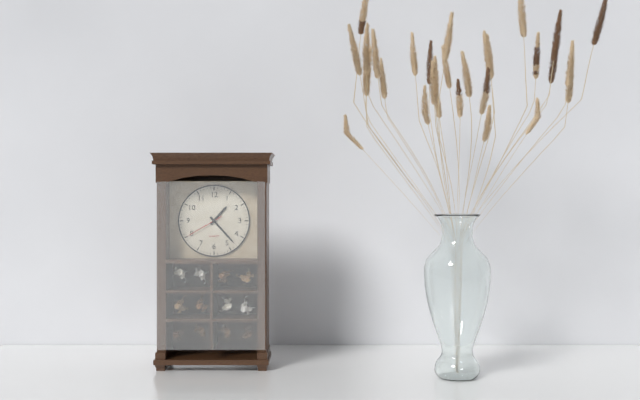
{"hour": 1, "minute": 23}
